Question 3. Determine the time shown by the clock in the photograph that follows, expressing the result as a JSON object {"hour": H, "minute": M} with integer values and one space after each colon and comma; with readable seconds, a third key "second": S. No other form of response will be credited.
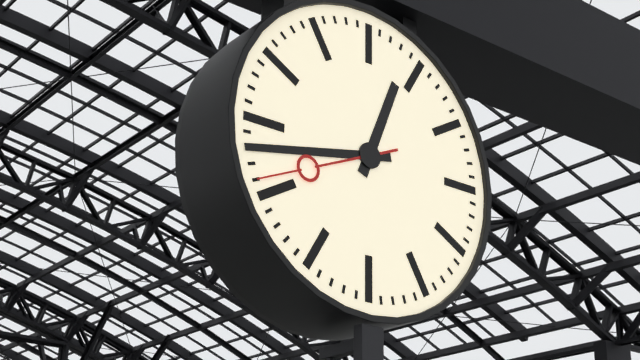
{"hour": 12, "minute": 43, "second": 41}
